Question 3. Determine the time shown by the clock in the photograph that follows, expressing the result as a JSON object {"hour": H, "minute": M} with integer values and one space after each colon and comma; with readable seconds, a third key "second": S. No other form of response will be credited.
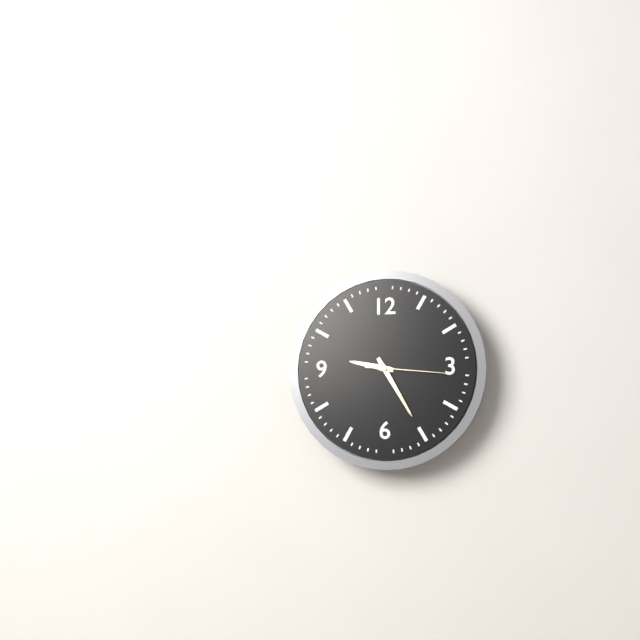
{"hour": 9, "minute": 25, "second": 16}
